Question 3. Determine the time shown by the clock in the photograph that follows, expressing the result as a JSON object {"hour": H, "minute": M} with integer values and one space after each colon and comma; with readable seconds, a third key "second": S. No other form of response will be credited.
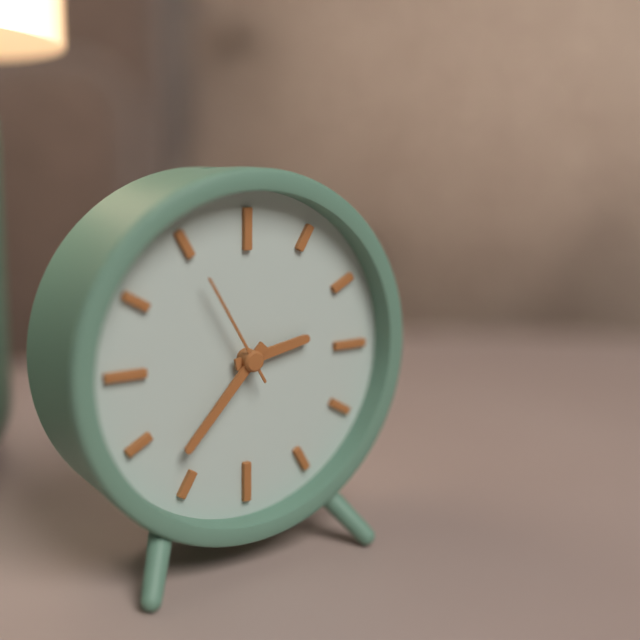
{"hour": 2, "minute": 37, "second": 55}
